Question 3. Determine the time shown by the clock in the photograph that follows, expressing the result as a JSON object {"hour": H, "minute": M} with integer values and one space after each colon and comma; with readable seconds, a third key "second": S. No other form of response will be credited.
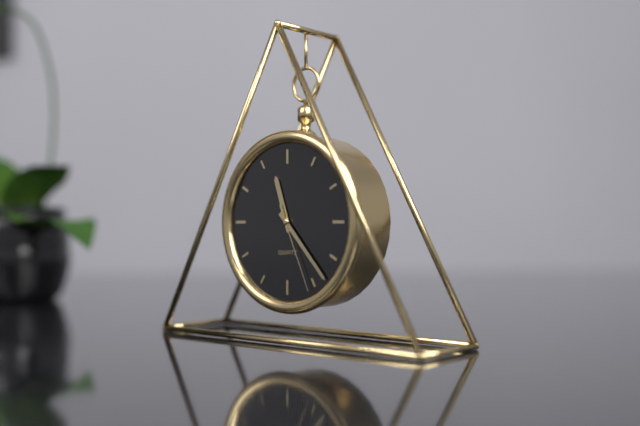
{"hour": 11, "minute": 23, "second": 26}
